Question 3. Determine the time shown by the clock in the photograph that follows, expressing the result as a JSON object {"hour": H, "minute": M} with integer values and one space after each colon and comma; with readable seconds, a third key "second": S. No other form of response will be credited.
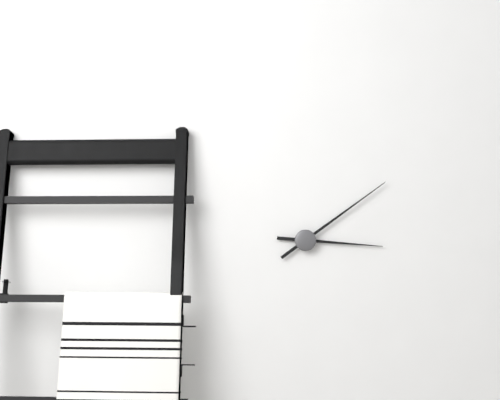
{"hour": 3, "minute": 9}
